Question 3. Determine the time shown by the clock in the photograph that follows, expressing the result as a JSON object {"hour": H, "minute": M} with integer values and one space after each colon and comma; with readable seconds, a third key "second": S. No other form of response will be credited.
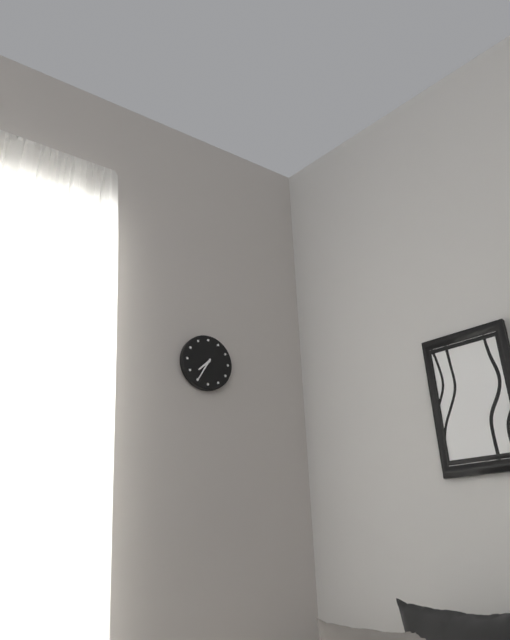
{"hour": 7, "minute": 35}
